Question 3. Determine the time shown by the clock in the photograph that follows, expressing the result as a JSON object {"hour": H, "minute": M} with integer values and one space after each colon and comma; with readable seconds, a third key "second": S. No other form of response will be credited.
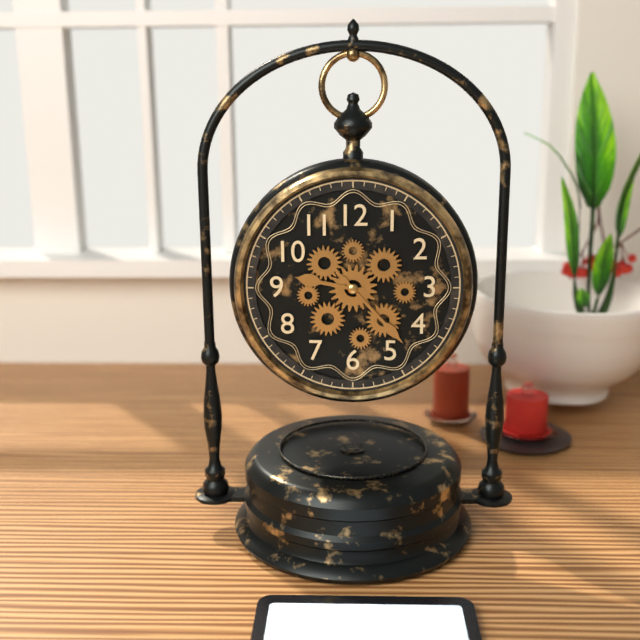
{"hour": 9, "minute": 23}
